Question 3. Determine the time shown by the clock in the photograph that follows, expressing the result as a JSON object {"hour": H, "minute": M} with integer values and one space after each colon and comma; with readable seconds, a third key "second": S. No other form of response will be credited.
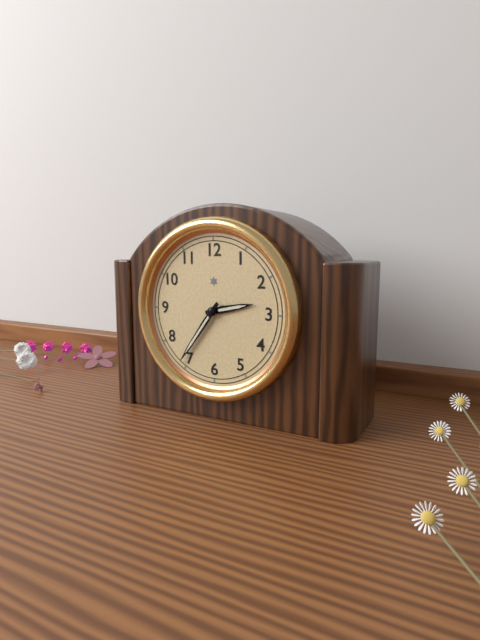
{"hour": 2, "minute": 36}
